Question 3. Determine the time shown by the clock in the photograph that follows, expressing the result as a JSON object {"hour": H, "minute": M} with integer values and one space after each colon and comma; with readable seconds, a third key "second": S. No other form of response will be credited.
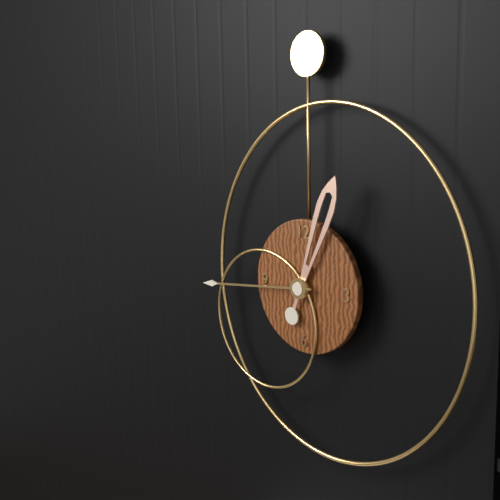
{"hour": 12, "minute": 44}
